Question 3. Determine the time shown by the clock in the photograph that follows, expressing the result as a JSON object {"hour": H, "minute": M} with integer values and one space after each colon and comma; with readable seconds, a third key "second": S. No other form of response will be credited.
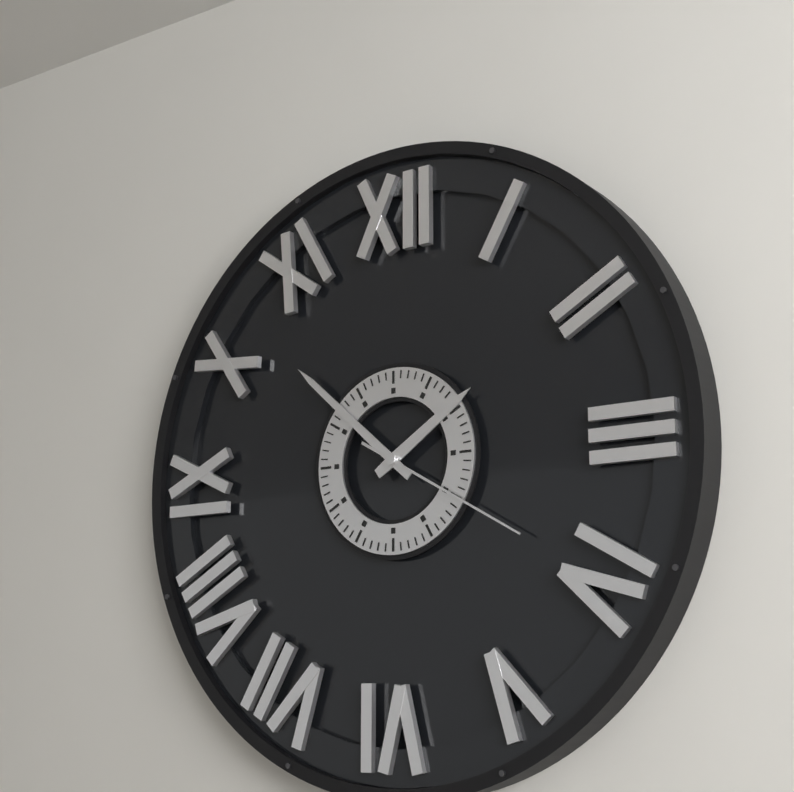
{"hour": 1, "minute": 52, "second": 20}
